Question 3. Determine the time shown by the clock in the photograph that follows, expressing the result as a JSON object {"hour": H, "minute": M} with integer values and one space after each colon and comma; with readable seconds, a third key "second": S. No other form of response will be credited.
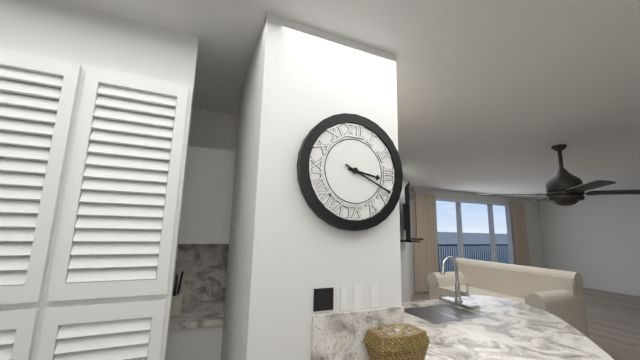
{"hour": 3, "minute": 19}
